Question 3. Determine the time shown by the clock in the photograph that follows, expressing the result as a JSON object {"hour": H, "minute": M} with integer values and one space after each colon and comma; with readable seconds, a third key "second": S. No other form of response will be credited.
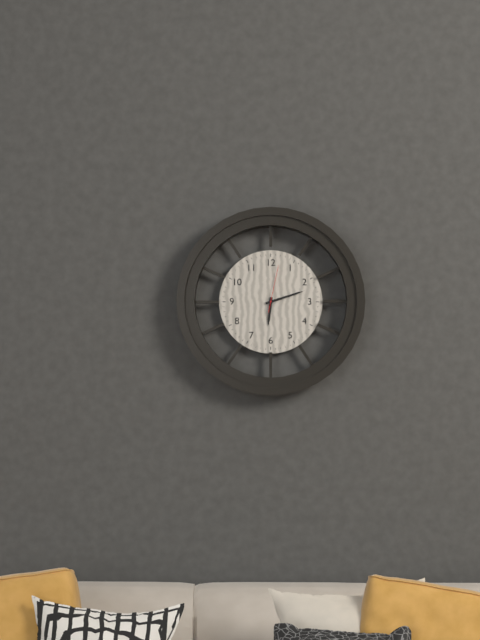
{"hour": 6, "minute": 12}
